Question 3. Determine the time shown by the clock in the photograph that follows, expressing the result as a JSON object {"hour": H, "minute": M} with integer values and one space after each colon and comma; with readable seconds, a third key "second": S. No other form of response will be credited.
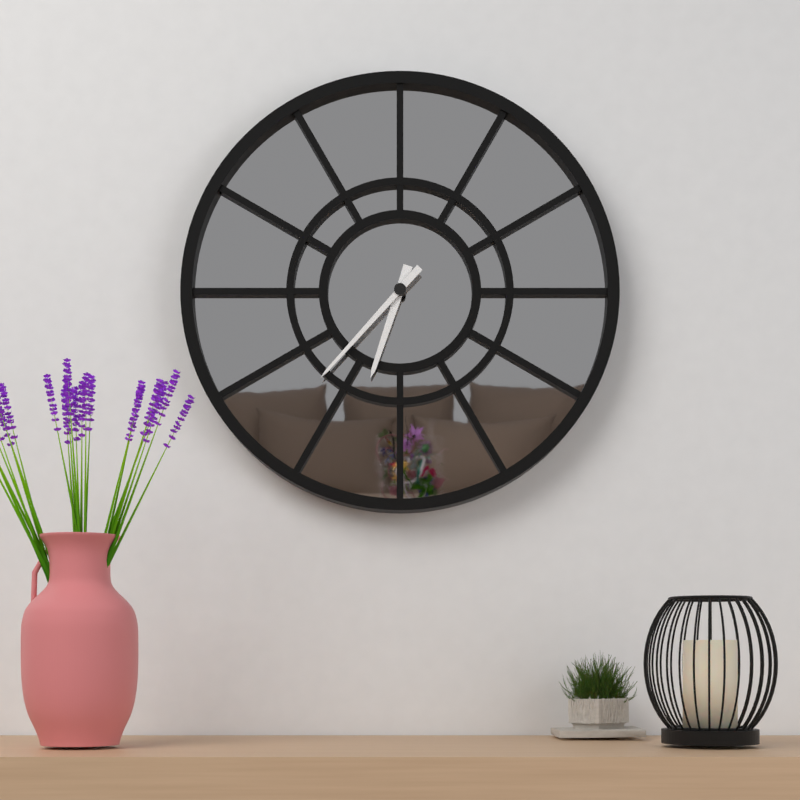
{"hour": 6, "minute": 37}
